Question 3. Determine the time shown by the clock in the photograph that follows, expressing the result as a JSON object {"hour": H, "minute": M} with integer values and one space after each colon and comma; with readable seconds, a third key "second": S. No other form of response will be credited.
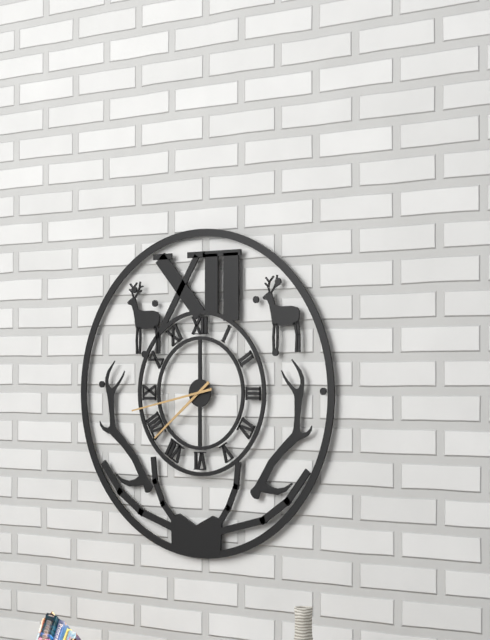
{"hour": 7, "minute": 43}
